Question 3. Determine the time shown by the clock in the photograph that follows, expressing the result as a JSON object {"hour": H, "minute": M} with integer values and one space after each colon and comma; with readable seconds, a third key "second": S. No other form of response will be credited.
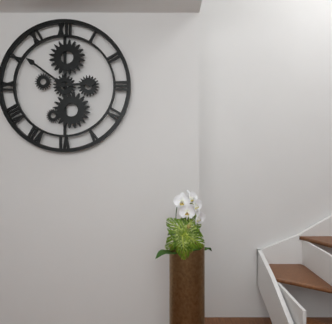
{"hour": 2, "minute": 51}
